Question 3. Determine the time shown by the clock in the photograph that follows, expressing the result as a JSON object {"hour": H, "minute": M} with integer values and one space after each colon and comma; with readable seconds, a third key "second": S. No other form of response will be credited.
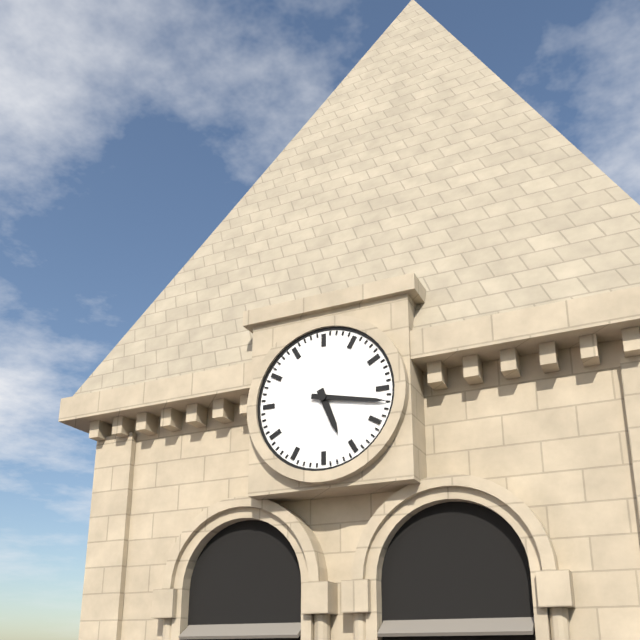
{"hour": 5, "minute": 17}
